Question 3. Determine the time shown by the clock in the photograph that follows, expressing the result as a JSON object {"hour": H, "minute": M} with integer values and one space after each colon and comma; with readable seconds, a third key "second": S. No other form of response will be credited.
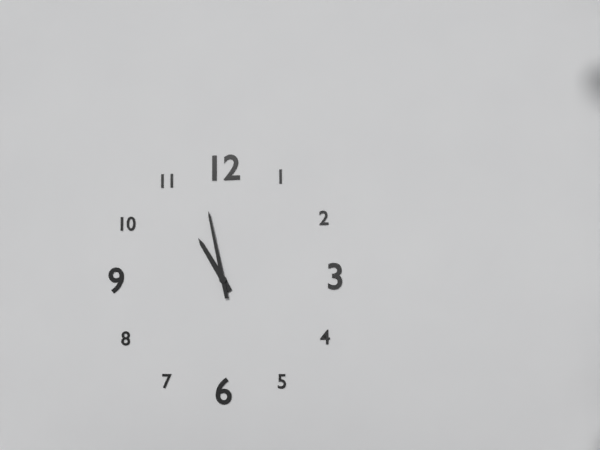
{"hour": 10, "minute": 58}
